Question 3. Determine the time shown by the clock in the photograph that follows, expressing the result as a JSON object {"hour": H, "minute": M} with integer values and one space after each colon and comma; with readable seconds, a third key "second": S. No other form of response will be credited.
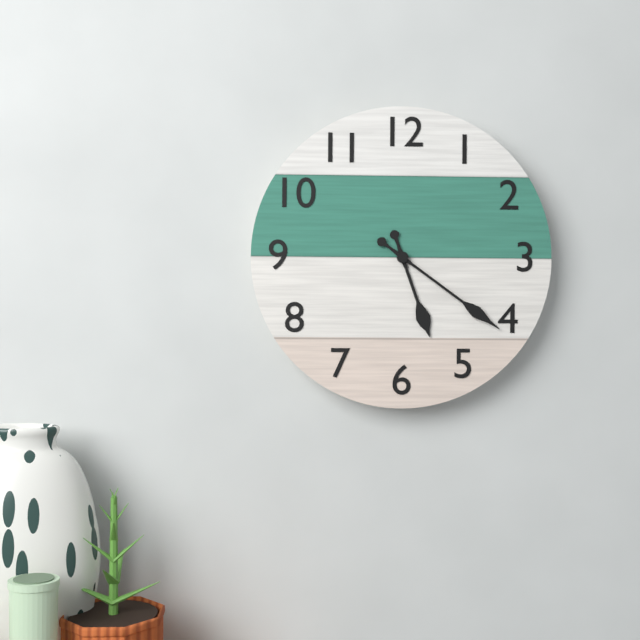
{"hour": 5, "minute": 21}
